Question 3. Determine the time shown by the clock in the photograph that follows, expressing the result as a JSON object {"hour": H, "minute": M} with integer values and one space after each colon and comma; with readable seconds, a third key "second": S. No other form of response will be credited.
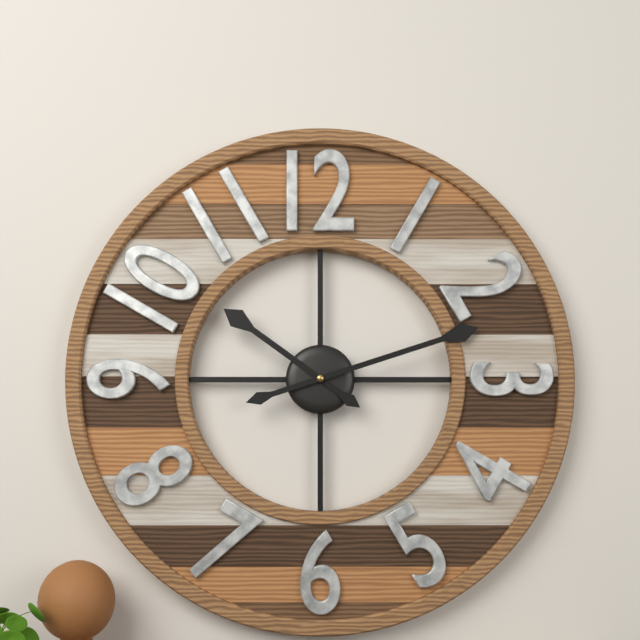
{"hour": 10, "minute": 12}
